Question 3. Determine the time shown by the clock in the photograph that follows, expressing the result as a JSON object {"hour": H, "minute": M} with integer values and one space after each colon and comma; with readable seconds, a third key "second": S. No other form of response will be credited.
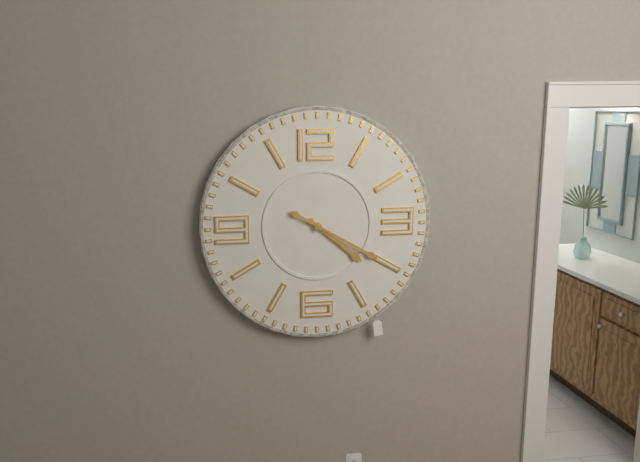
{"hour": 4, "minute": 20}
